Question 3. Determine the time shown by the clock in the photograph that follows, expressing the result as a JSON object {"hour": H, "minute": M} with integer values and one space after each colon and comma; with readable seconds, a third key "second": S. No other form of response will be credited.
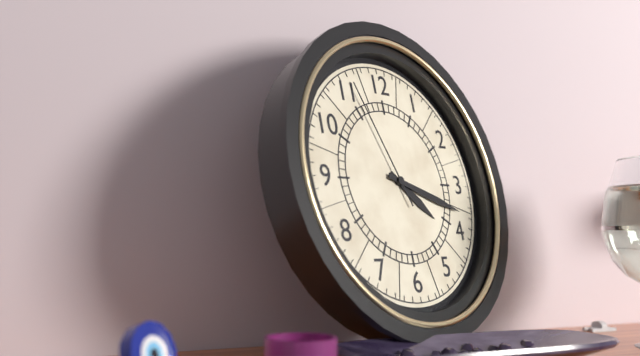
{"hour": 4, "minute": 18, "second": 56}
